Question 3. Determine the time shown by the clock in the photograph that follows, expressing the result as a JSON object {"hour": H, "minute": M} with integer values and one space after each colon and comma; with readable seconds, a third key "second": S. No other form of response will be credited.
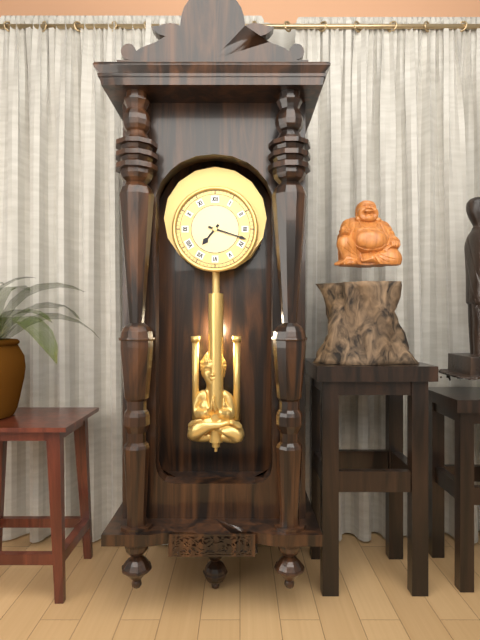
{"hour": 7, "minute": 18}
